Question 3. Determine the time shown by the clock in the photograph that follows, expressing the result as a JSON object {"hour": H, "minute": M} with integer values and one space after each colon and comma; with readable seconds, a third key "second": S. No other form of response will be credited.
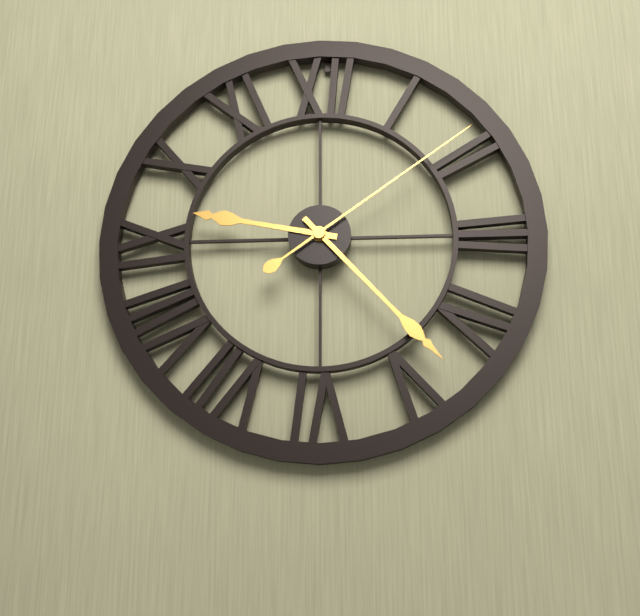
{"hour": 9, "minute": 23, "second": 9}
